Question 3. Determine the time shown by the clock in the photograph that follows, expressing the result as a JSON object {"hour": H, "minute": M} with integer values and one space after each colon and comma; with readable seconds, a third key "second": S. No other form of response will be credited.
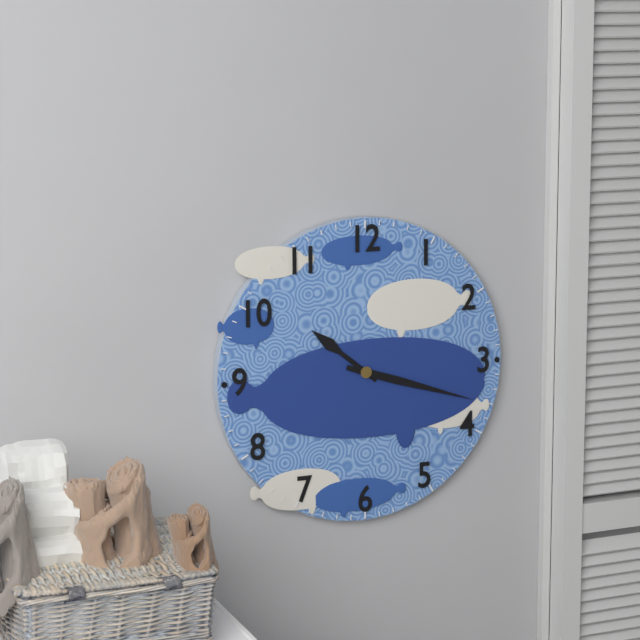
{"hour": 10, "minute": 18}
